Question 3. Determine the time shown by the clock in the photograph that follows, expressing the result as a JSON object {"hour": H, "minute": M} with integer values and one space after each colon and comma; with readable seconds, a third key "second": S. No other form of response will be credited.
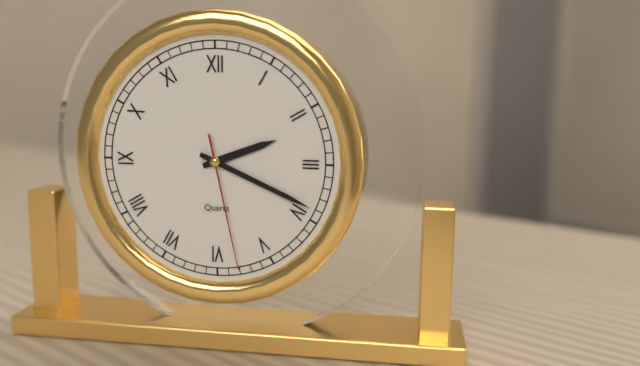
{"hour": 2, "minute": 19, "second": 28}
